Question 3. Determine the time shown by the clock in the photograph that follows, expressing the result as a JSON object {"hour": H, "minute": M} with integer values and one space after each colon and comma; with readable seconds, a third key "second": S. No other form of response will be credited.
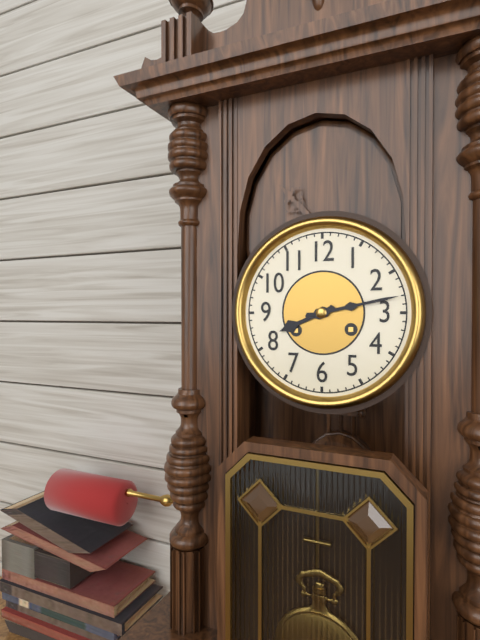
{"hour": 8, "minute": 13}
